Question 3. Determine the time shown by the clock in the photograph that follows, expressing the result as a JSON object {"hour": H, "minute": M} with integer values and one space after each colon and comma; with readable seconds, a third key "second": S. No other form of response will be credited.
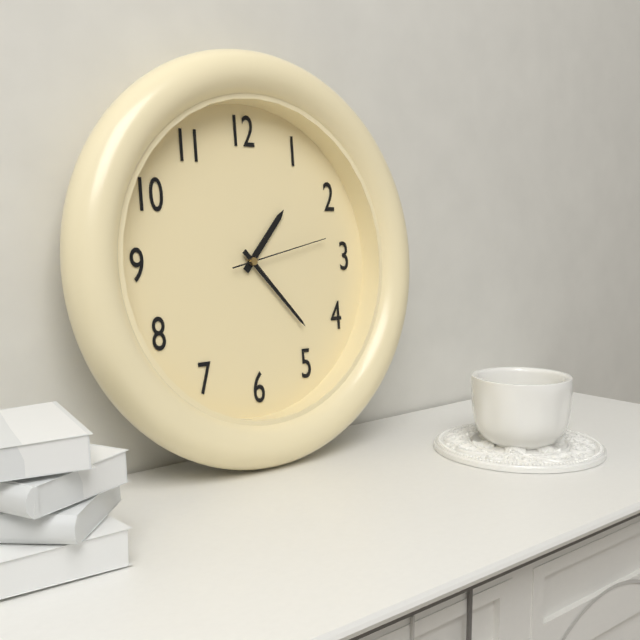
{"hour": 1, "minute": 23, "second": 13}
